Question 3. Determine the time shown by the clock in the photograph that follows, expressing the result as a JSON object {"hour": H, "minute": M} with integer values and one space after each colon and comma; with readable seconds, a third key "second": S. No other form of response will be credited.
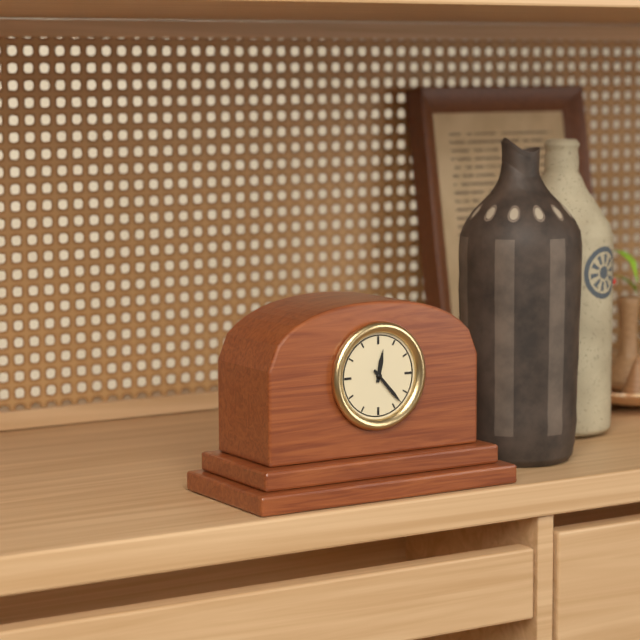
{"hour": 12, "minute": 23}
